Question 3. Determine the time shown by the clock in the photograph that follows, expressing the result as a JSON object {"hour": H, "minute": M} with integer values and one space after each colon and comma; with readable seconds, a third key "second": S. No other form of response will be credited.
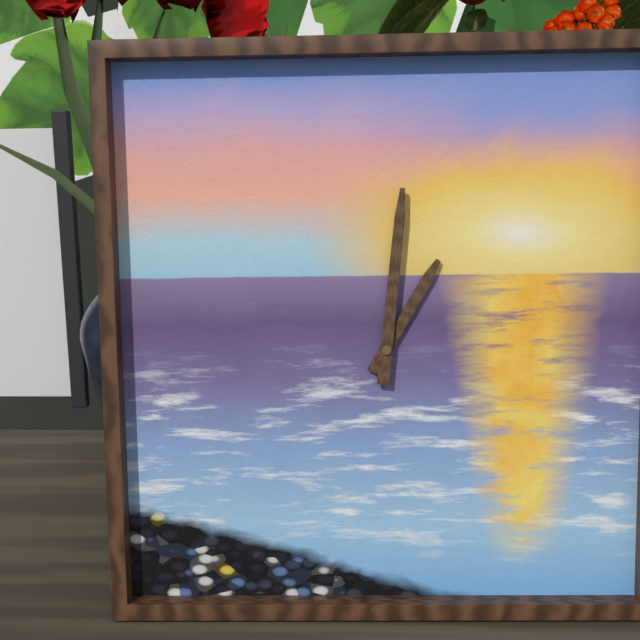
{"hour": 1, "minute": 1}
